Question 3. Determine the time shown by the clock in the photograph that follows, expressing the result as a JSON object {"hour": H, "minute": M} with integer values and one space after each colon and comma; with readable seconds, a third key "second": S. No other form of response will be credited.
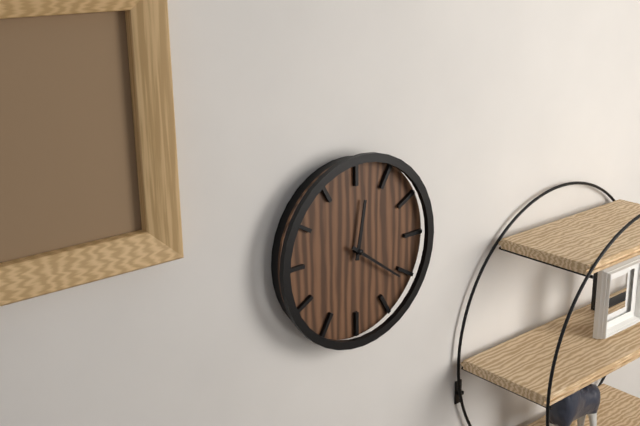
{"hour": 12, "minute": 21}
